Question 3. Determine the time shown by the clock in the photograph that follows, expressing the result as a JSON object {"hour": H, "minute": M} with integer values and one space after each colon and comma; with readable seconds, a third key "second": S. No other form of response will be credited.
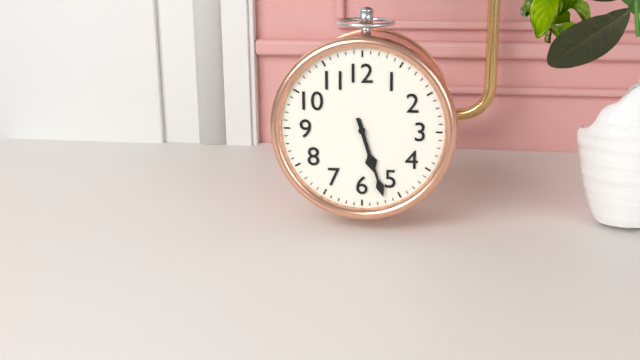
{"hour": 5, "minute": 27}
